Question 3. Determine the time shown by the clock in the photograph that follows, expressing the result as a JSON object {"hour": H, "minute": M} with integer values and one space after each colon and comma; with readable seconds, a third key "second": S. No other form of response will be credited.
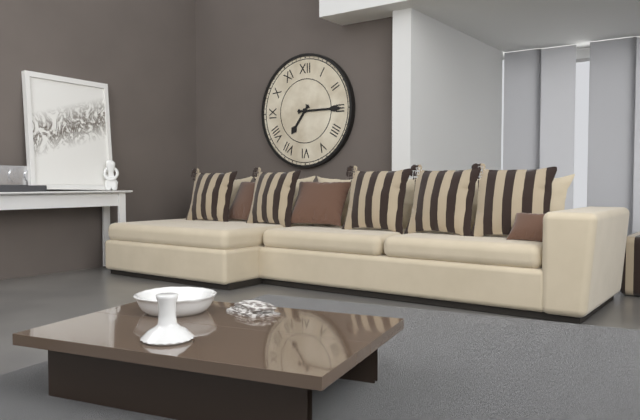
{"hour": 7, "minute": 15}
